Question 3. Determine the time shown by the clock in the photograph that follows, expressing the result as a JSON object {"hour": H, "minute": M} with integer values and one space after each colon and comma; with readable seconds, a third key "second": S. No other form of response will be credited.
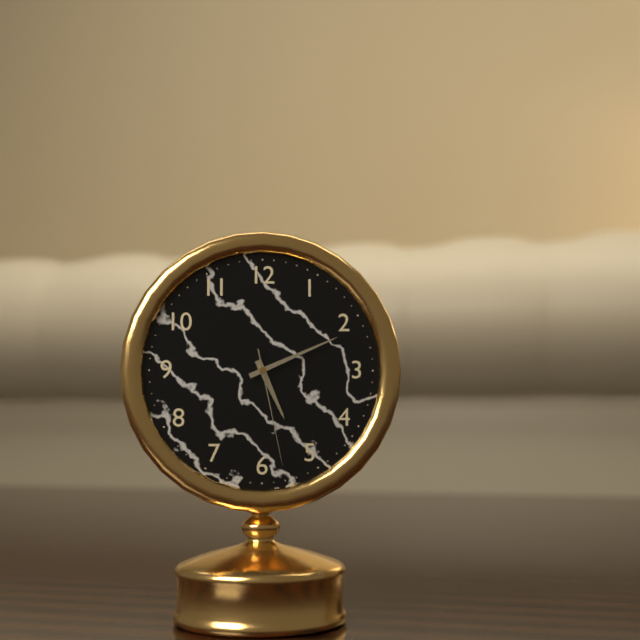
{"hour": 5, "minute": 11, "second": 28}
